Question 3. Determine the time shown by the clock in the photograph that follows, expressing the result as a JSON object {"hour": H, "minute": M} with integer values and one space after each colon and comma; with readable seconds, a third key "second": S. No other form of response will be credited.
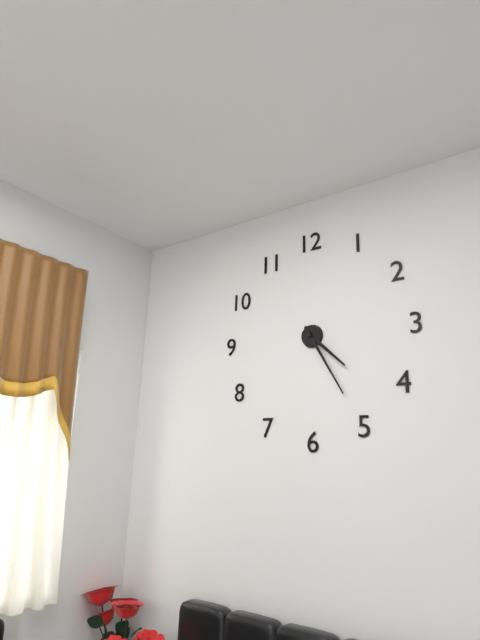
{"hour": 4, "minute": 25}
